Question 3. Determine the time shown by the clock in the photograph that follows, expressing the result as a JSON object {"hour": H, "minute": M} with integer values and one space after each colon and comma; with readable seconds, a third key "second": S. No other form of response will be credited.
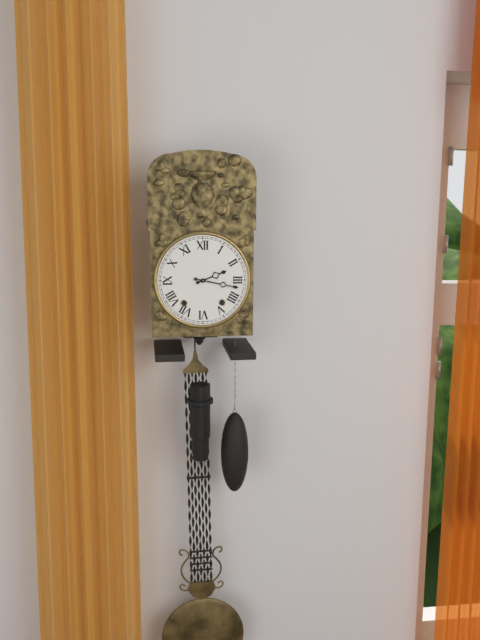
{"hour": 2, "minute": 17}
